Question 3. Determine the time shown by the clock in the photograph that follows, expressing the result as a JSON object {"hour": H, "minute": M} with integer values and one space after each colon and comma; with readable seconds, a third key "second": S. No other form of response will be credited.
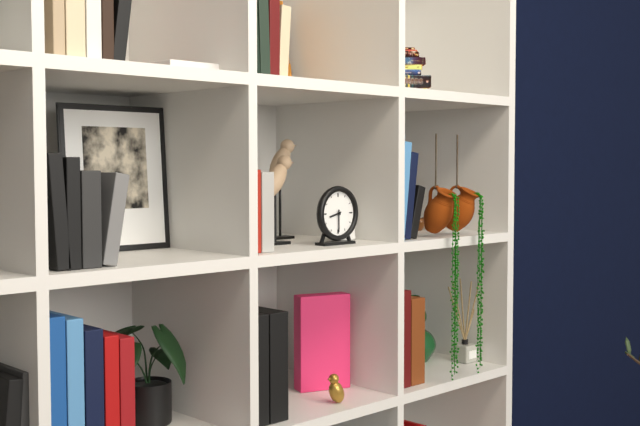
{"hour": 8, "minute": 30}
